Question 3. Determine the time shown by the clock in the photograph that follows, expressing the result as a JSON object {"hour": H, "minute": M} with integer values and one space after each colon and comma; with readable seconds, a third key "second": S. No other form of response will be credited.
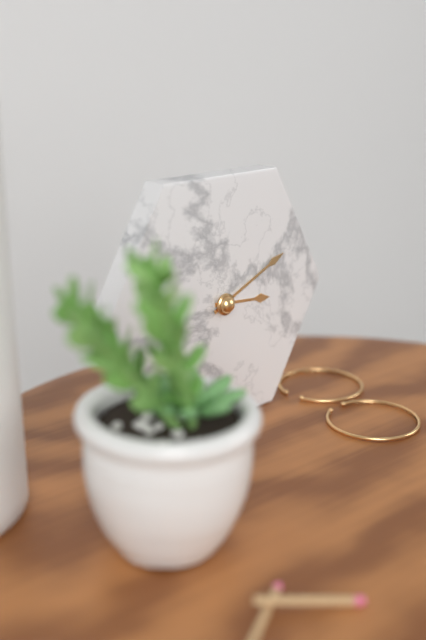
{"hour": 3, "minute": 11}
